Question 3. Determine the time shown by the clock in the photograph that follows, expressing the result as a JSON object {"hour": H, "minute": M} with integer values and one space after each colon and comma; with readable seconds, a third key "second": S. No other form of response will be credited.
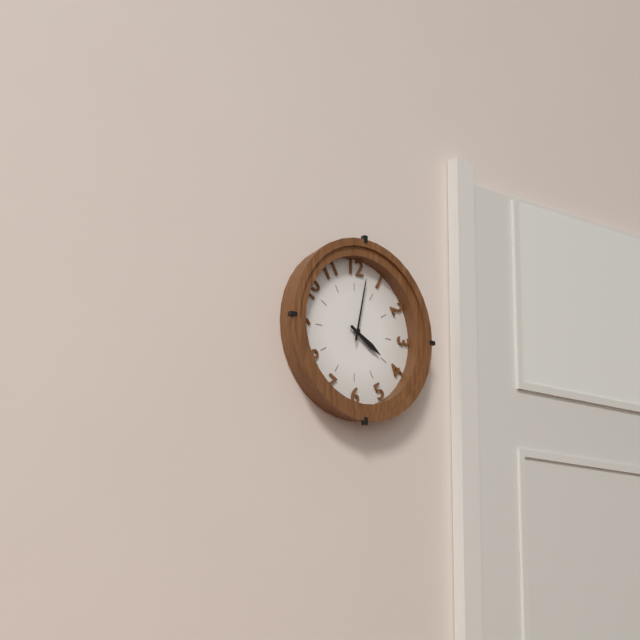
{"hour": 4, "minute": 2}
